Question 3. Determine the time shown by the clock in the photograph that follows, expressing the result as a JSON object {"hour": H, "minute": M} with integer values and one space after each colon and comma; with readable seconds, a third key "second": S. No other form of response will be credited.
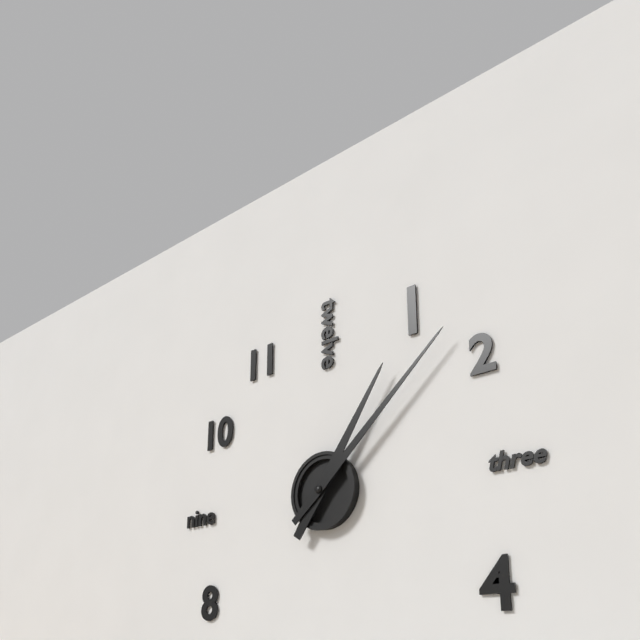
{"hour": 1, "minute": 8}
